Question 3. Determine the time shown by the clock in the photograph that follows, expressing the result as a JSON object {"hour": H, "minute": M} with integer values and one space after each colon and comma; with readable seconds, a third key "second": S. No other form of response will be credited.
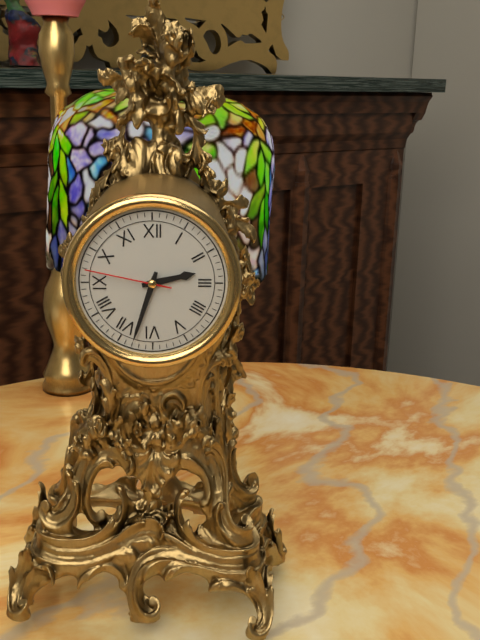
{"hour": 2, "minute": 33, "second": 47}
